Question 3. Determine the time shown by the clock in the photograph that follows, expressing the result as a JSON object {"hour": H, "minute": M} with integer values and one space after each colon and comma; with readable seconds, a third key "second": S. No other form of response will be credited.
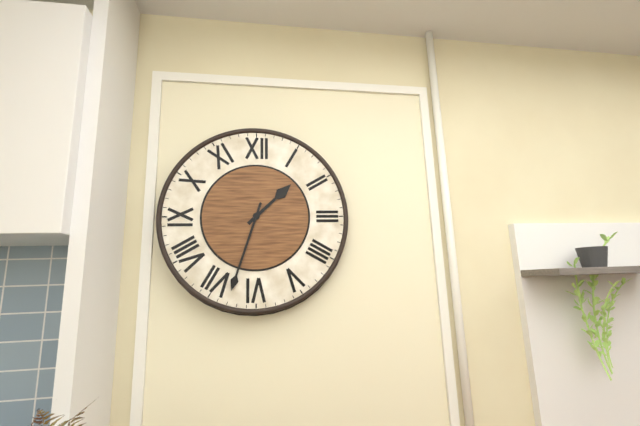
{"hour": 1, "minute": 33}
